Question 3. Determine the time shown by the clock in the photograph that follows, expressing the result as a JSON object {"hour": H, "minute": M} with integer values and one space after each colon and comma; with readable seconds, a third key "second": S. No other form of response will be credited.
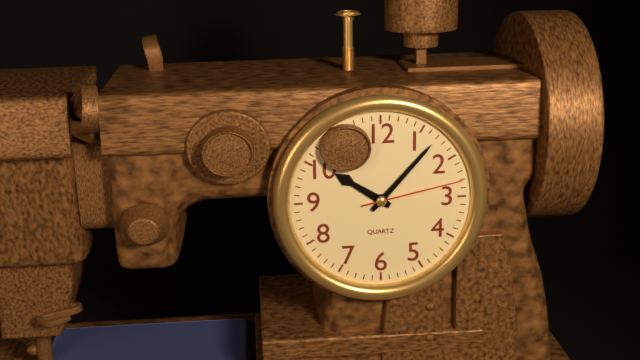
{"hour": 10, "minute": 7, "second": 13}
